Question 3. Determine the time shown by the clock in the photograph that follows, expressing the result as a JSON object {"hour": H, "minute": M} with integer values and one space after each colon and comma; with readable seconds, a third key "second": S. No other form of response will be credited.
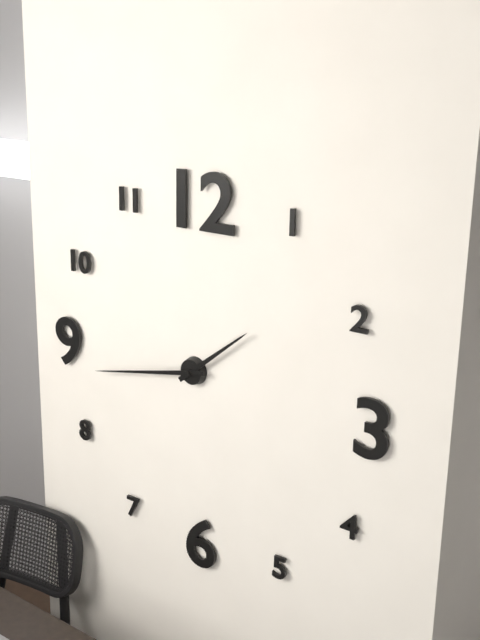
{"hour": 1, "minute": 43}
